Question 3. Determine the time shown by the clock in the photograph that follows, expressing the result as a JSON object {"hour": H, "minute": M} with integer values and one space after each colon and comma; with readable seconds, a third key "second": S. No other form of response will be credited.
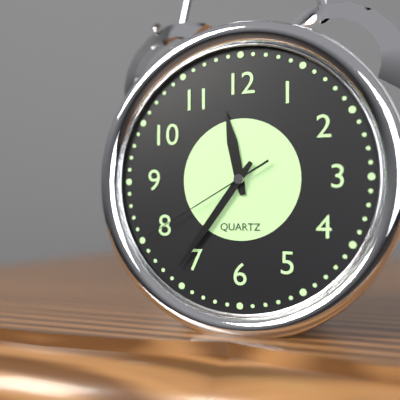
{"hour": 11, "minute": 36, "second": 40}
